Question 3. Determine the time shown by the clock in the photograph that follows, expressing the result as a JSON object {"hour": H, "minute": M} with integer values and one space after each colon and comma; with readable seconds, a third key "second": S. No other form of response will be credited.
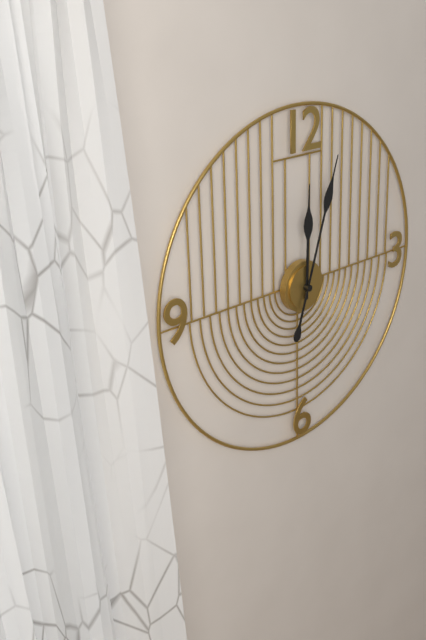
{"hour": 12, "minute": 3}
